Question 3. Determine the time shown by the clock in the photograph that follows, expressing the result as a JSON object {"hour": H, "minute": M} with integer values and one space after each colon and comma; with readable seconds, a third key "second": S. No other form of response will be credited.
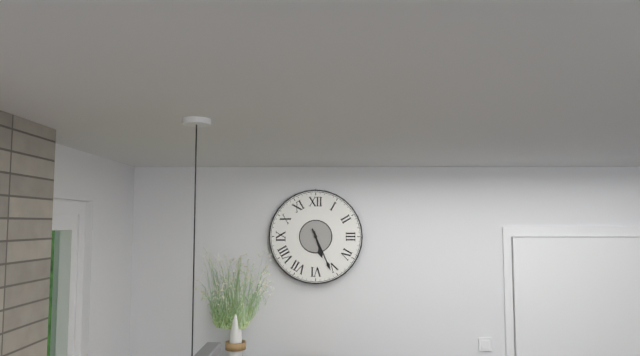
{"hour": 5, "minute": 26}
